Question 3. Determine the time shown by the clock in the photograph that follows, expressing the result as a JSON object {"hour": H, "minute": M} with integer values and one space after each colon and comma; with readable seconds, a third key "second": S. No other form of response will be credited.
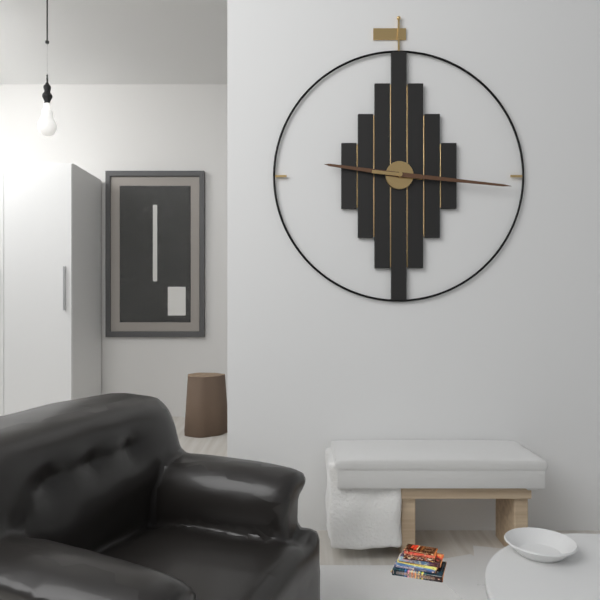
{"hour": 9, "minute": 16}
